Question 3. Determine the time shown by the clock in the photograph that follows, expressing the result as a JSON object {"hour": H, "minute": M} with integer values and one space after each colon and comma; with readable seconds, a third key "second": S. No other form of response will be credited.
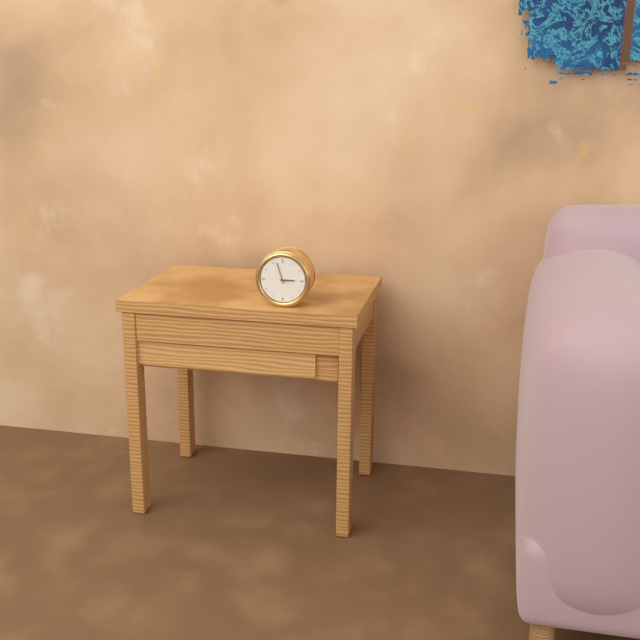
{"hour": 2, "minute": 57}
